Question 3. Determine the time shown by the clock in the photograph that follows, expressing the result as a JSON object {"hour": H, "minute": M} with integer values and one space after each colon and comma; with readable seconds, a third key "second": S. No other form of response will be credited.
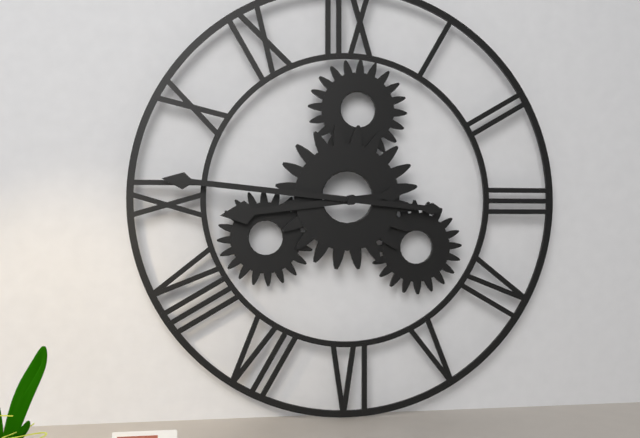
{"hour": 8, "minute": 46}
